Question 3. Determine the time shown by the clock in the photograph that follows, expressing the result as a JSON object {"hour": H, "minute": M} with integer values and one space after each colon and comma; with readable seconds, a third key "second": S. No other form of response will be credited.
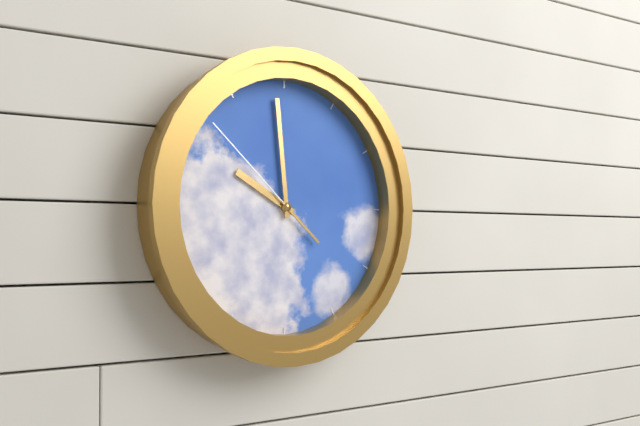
{"hour": 9, "minute": 59, "second": 52}
